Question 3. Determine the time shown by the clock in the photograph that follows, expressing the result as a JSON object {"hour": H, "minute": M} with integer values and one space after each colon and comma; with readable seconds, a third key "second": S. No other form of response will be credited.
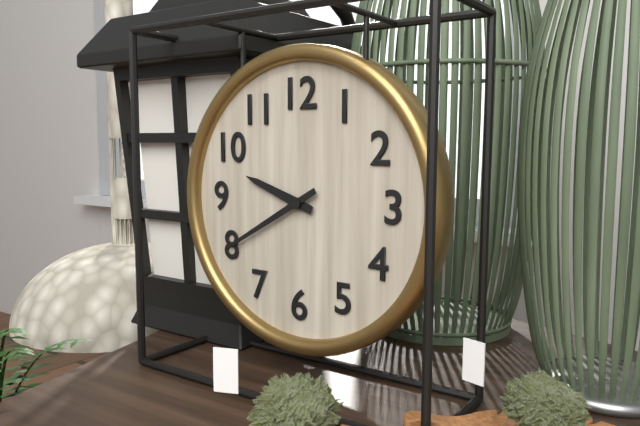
{"hour": 9, "minute": 40}
